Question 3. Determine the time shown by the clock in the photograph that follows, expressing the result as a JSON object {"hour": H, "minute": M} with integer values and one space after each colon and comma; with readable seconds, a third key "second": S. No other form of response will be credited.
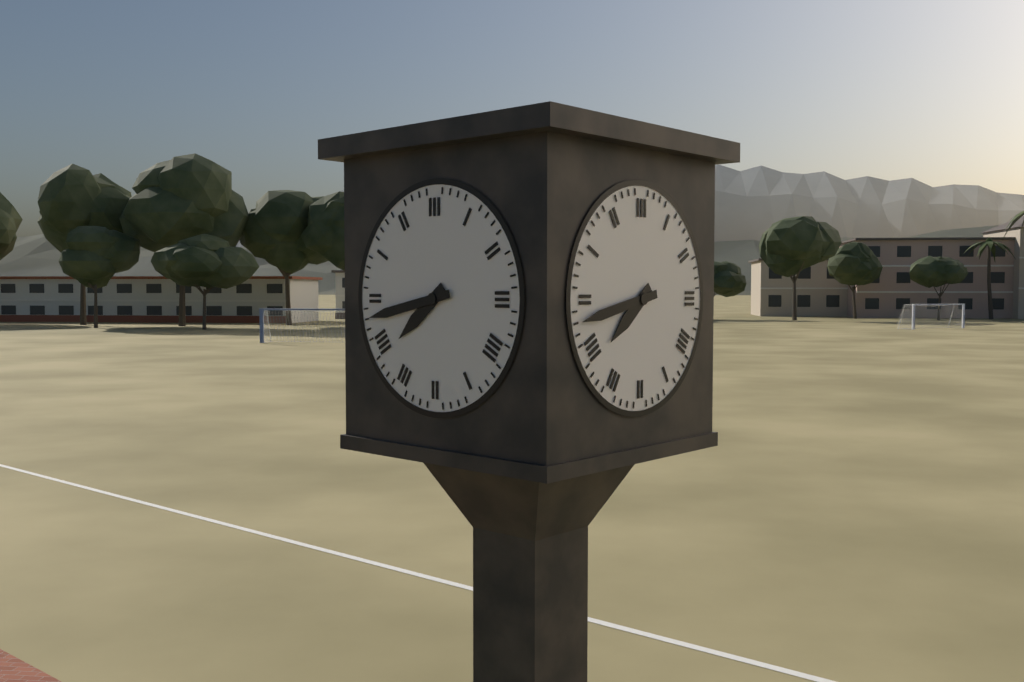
{"hour": 7, "minute": 43}
